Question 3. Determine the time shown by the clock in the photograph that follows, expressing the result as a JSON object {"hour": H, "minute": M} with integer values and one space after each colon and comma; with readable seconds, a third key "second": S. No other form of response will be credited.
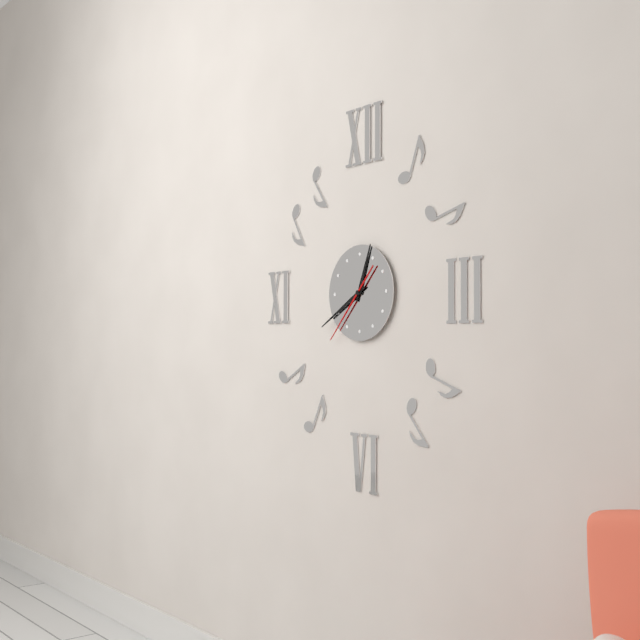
{"hour": 12, "minute": 40, "second": 37}
